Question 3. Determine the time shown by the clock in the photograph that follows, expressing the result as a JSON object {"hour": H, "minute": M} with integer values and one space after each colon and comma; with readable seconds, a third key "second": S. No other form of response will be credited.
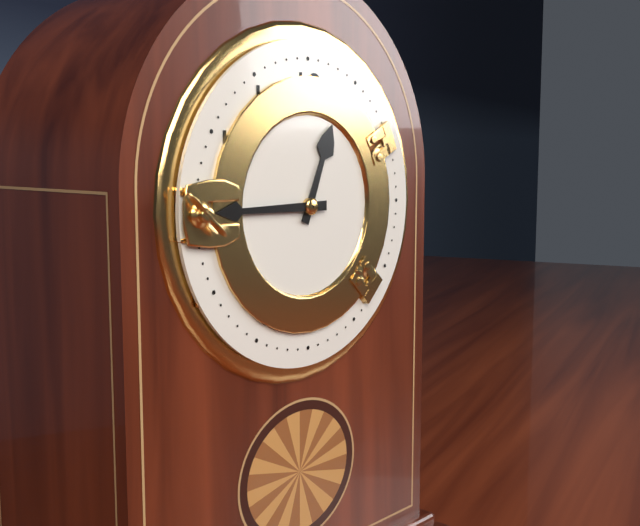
{"hour": 12, "minute": 45}
